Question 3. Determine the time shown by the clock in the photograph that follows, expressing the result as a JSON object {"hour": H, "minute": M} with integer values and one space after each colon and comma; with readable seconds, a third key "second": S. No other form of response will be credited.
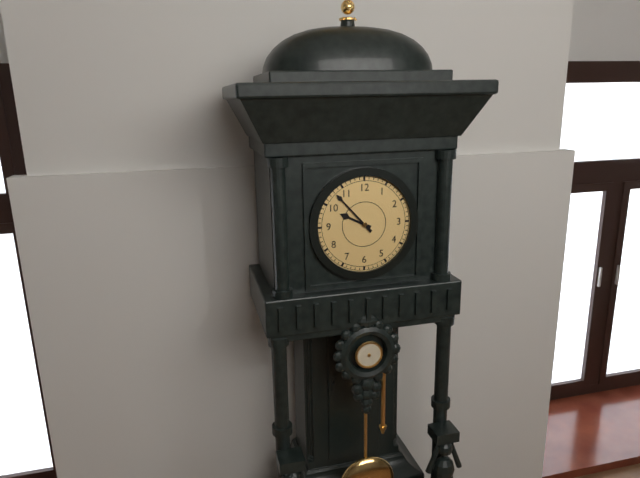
{"hour": 9, "minute": 53}
